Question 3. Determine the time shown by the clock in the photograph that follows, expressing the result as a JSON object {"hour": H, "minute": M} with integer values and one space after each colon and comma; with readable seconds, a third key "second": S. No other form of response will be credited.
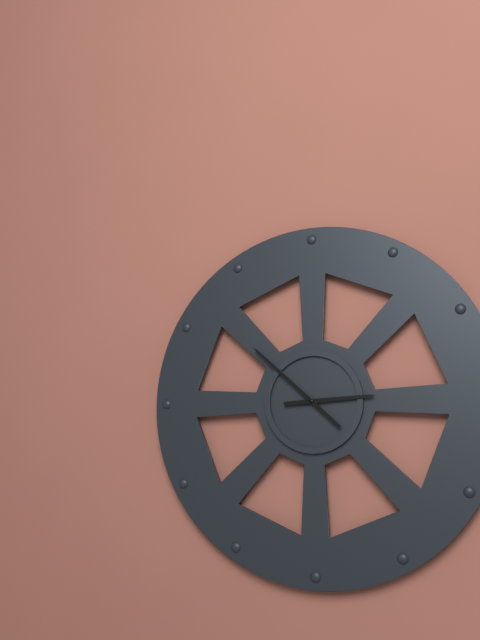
{"hour": 2, "minute": 52}
